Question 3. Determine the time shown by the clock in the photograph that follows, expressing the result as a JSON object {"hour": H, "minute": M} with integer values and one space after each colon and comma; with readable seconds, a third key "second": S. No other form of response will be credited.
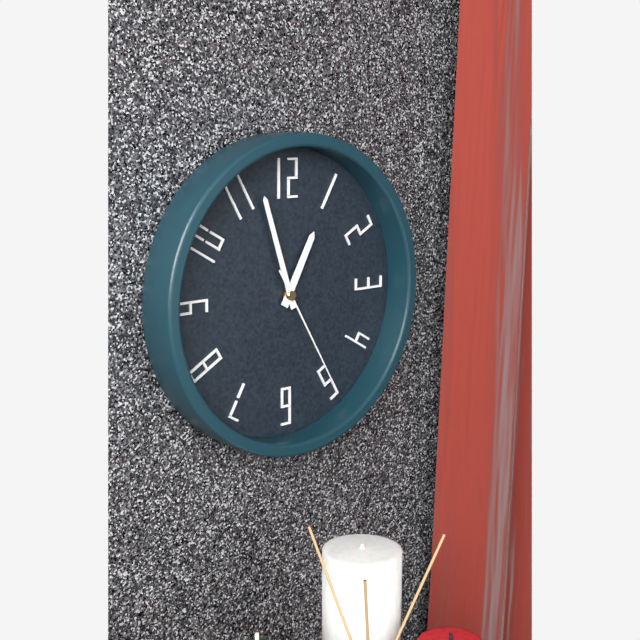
{"hour": 12, "minute": 57, "second": 25}
